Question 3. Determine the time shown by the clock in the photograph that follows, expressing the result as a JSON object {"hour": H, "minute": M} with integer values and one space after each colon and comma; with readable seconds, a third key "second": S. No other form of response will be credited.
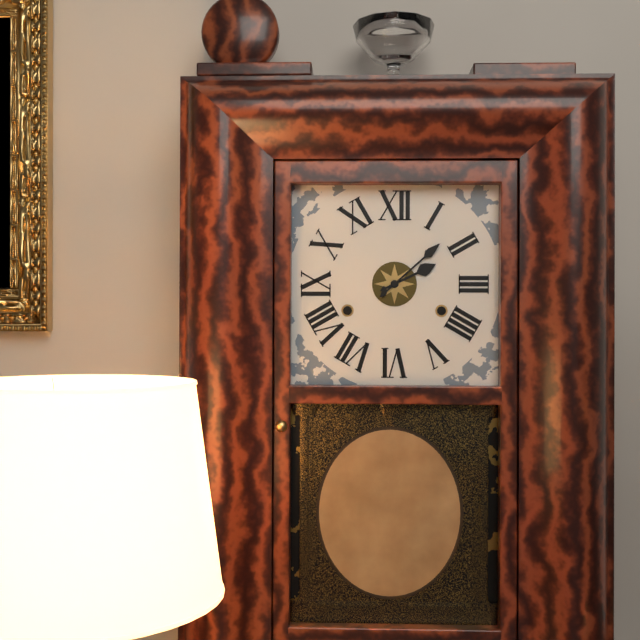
{"hour": 2, "minute": 8}
